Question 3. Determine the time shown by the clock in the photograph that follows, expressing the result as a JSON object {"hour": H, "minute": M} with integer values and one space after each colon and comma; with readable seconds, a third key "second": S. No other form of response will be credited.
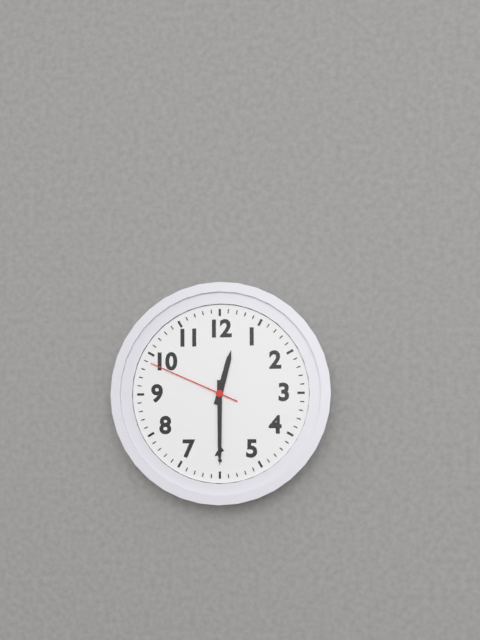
{"hour": 12, "minute": 30, "second": 49}
